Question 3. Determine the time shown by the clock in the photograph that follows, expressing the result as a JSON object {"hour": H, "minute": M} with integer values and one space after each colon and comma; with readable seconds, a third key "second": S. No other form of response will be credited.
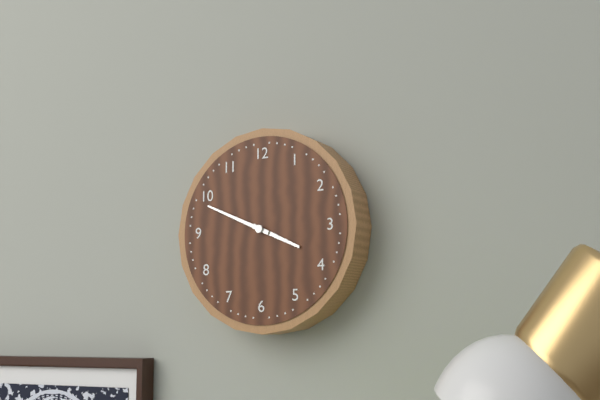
{"hour": 3, "minute": 49}
